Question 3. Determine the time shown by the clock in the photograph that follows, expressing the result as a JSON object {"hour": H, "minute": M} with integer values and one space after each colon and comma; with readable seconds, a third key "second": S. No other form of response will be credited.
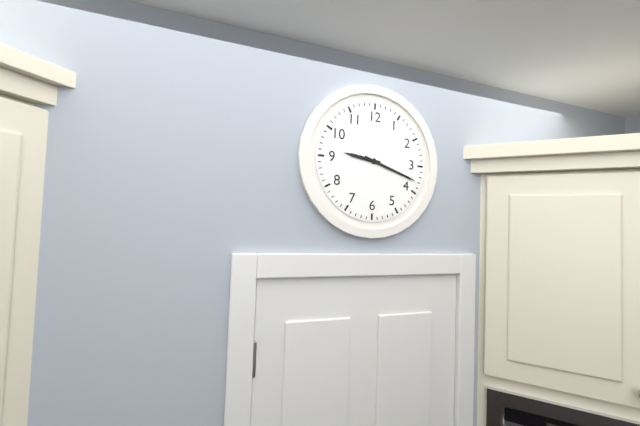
{"hour": 9, "minute": 18}
